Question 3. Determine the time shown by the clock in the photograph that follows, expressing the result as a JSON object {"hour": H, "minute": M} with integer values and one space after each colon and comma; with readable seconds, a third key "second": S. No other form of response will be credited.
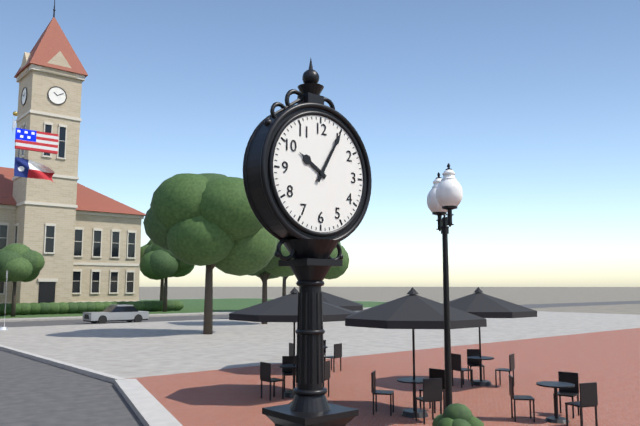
{"hour": 10, "minute": 5}
